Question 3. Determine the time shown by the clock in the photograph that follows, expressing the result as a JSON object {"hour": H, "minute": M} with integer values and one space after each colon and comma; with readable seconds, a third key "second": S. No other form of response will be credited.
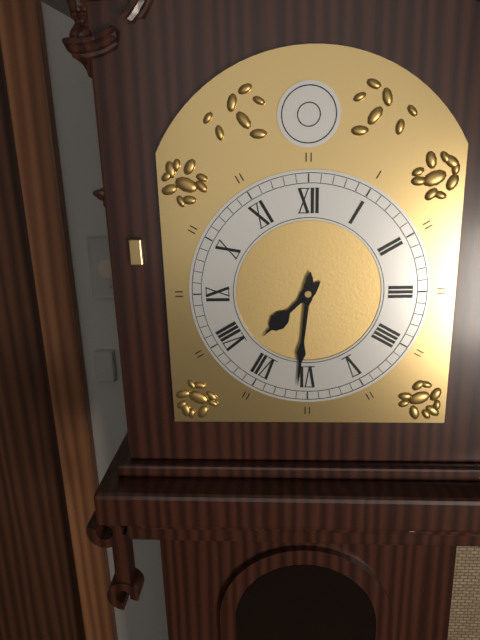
{"hour": 7, "minute": 31}
